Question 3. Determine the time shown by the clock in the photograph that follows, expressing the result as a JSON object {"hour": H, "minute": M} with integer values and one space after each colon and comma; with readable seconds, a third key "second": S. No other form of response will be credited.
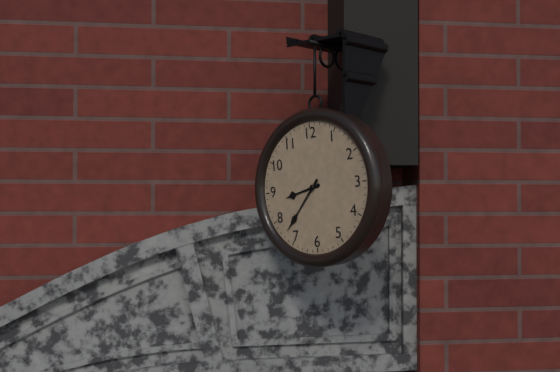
{"hour": 8, "minute": 37}
